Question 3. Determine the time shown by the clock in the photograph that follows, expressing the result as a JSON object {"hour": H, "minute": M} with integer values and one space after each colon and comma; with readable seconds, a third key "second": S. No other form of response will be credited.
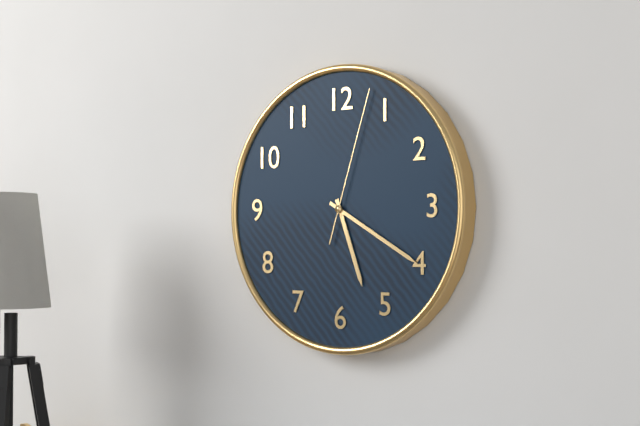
{"hour": 5, "minute": 20, "second": 3}
